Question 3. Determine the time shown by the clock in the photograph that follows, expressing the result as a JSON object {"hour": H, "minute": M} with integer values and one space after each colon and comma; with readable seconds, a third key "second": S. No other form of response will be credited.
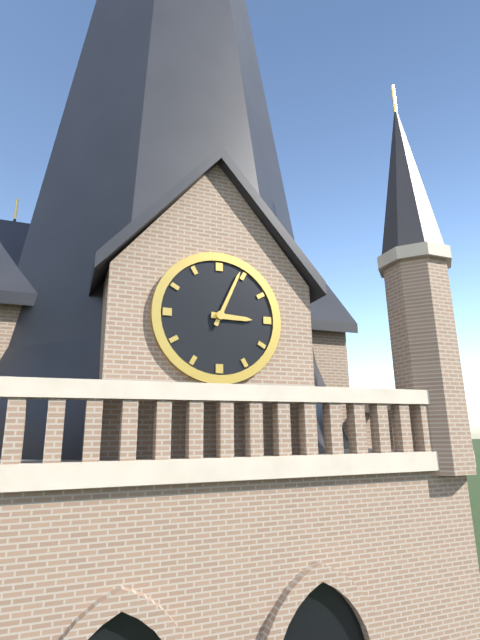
{"hour": 3, "minute": 4}
